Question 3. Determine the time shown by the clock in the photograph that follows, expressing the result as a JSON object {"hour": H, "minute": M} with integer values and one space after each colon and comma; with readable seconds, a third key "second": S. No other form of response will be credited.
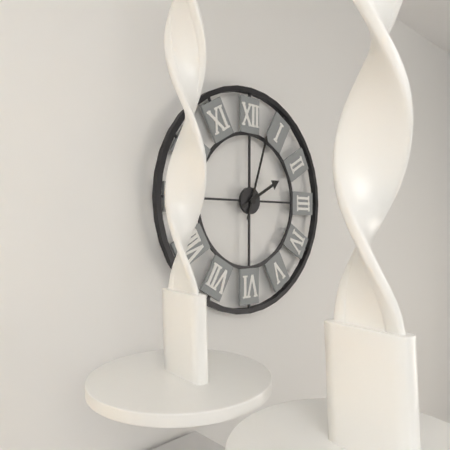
{"hour": 2, "minute": 3}
